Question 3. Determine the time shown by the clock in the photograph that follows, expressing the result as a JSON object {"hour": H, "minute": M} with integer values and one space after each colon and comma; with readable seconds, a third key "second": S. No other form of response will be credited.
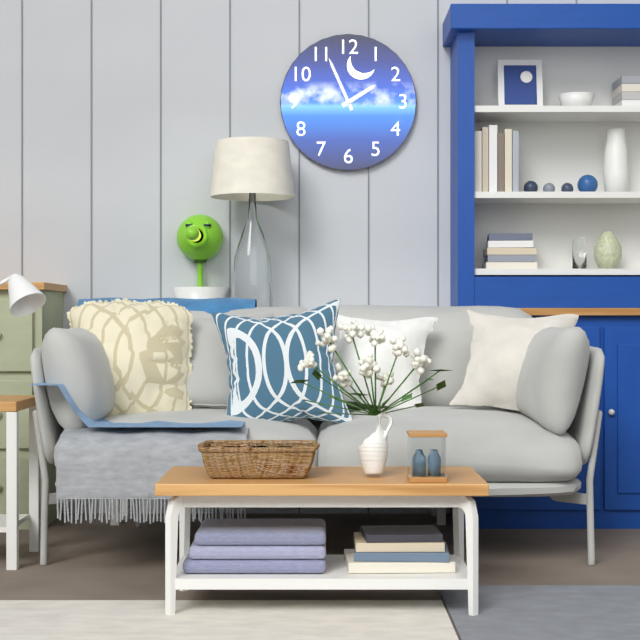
{"hour": 1, "minute": 56}
